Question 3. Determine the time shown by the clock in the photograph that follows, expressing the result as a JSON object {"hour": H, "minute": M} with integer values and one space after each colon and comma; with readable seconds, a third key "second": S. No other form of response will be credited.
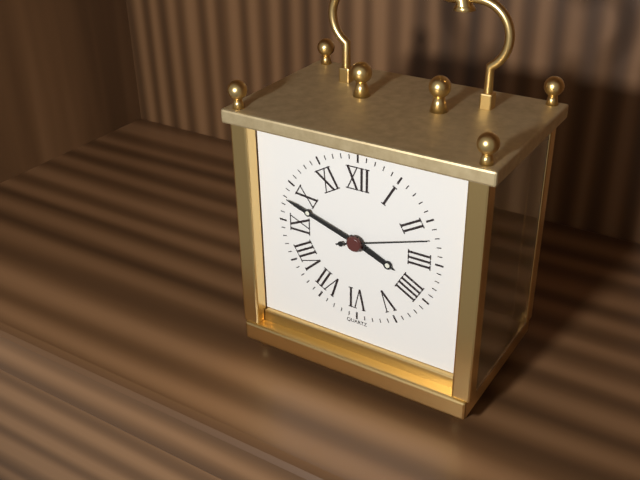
{"hour": 3, "minute": 48, "second": 12}
